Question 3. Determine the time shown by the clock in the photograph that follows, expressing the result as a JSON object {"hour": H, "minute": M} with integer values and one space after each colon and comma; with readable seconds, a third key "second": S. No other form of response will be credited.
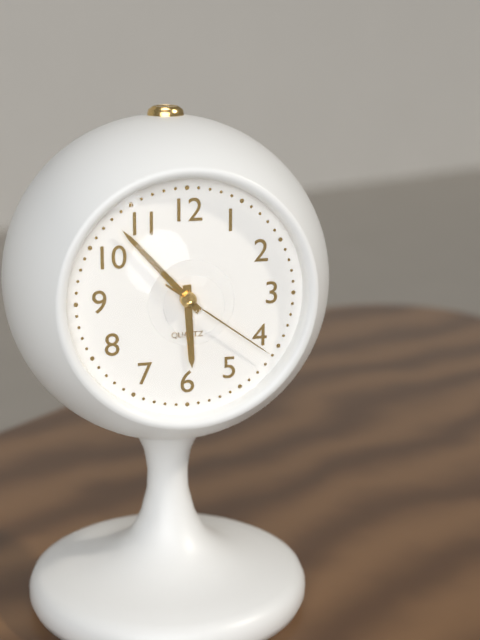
{"hour": 5, "minute": 53, "second": 21}
